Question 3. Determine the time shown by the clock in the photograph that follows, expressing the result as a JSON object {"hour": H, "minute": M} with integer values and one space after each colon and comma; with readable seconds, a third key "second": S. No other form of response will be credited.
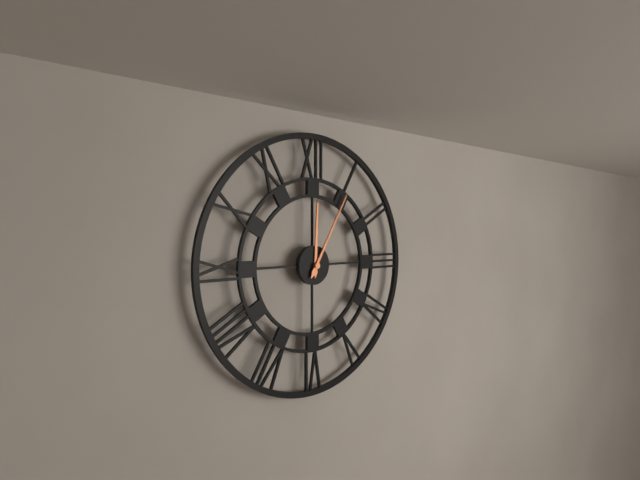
{"hour": 12, "minute": 5}
